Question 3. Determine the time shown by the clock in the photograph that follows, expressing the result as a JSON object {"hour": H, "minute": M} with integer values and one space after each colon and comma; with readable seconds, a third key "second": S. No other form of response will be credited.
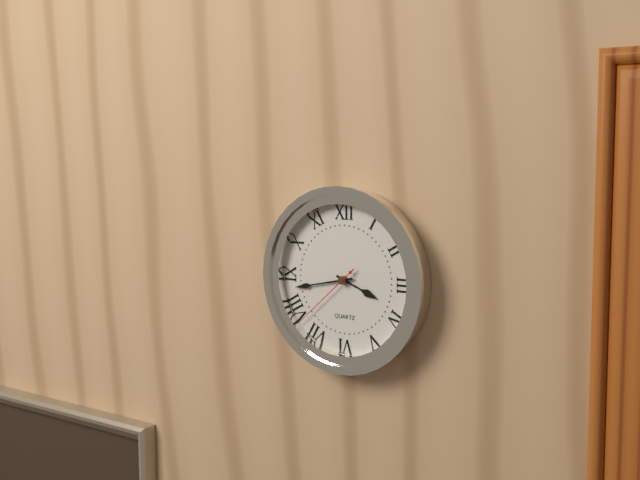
{"hour": 3, "minute": 43, "second": 38}
